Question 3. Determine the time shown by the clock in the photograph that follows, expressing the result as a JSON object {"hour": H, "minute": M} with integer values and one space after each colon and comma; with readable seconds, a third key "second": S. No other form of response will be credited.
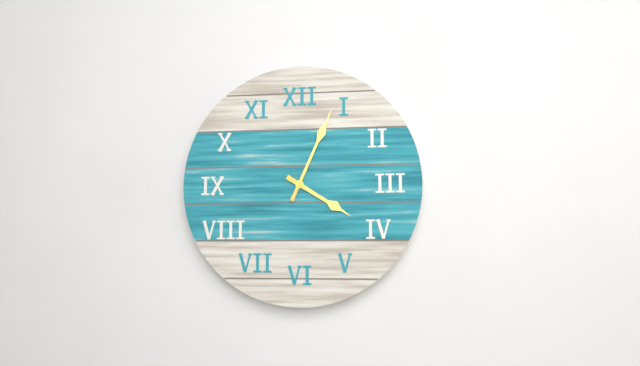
{"hour": 4, "minute": 4}
